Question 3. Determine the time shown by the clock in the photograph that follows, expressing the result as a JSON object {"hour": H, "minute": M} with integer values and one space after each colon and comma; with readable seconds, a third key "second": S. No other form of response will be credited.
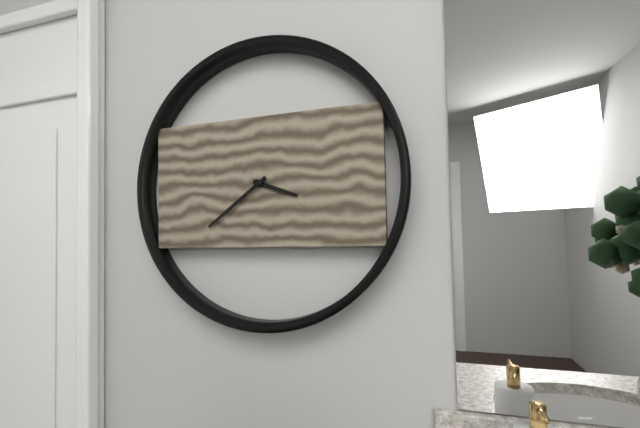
{"hour": 3, "minute": 39}
